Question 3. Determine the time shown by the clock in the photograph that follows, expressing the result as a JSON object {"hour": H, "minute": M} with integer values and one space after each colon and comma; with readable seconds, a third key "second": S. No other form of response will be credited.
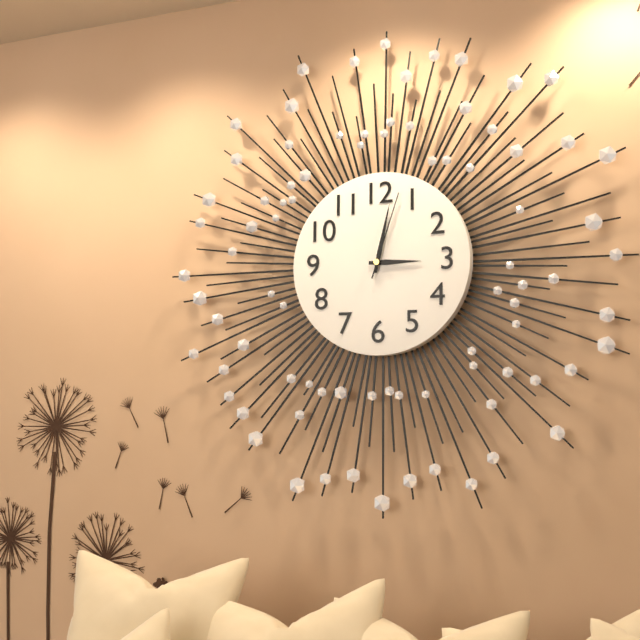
{"hour": 3, "minute": 2, "second": 3}
